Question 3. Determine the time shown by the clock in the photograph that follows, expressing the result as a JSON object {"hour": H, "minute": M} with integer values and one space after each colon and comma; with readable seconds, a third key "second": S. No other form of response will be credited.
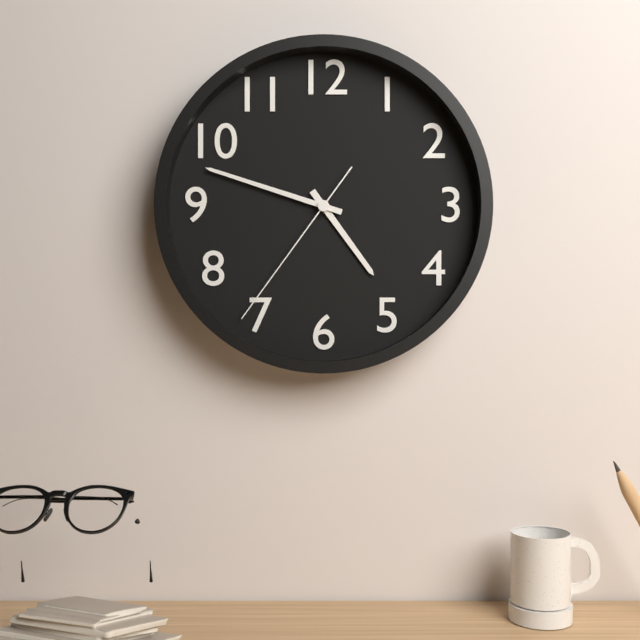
{"hour": 4, "minute": 48, "second": 36}
